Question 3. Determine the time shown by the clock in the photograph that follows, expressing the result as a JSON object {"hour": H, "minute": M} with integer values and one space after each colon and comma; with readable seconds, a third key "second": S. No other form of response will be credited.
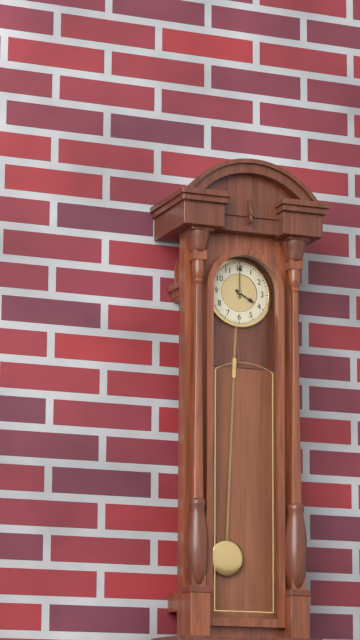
{"hour": 4, "minute": 0}
